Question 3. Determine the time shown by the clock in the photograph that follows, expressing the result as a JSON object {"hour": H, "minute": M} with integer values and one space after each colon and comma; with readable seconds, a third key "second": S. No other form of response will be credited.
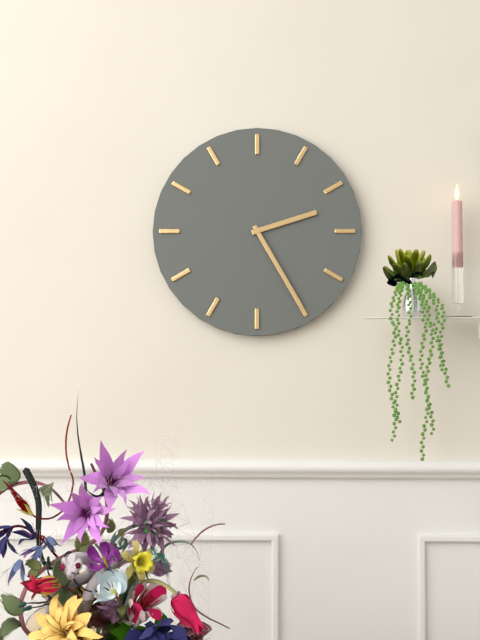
{"hour": 2, "minute": 25}
